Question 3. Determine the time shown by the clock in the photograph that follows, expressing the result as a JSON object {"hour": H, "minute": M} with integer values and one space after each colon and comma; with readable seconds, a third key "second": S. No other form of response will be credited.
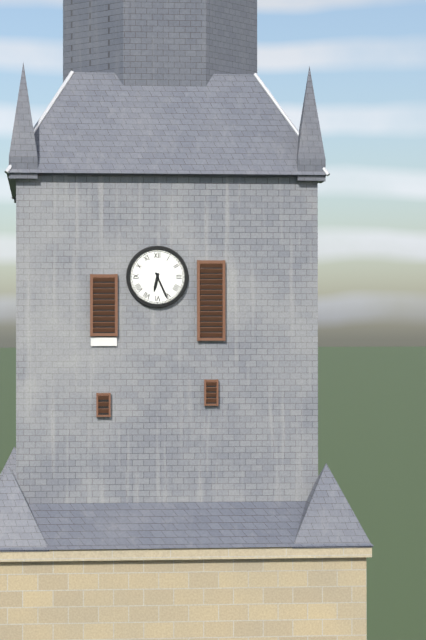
{"hour": 6, "minute": 26}
